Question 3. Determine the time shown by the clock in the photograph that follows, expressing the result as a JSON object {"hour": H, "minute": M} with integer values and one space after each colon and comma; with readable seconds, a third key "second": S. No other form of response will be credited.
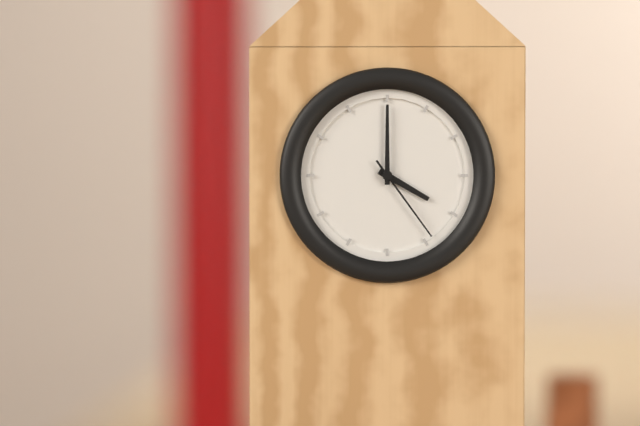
{"hour": 4, "minute": 0, "second": 24}
